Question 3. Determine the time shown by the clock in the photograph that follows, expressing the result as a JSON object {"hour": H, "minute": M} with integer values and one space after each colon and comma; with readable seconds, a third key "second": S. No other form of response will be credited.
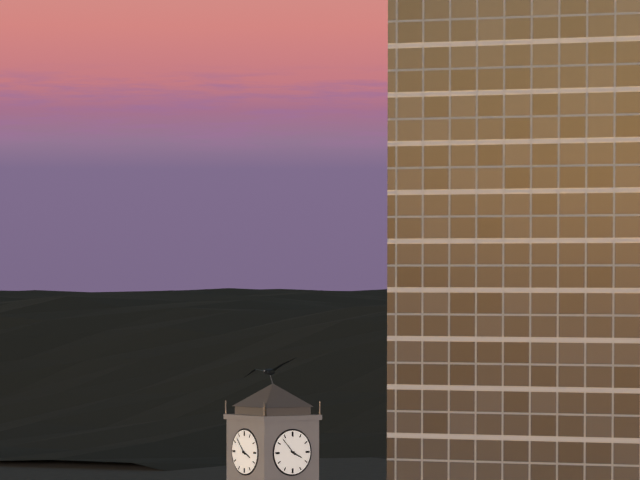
{"hour": 3, "minute": 53}
